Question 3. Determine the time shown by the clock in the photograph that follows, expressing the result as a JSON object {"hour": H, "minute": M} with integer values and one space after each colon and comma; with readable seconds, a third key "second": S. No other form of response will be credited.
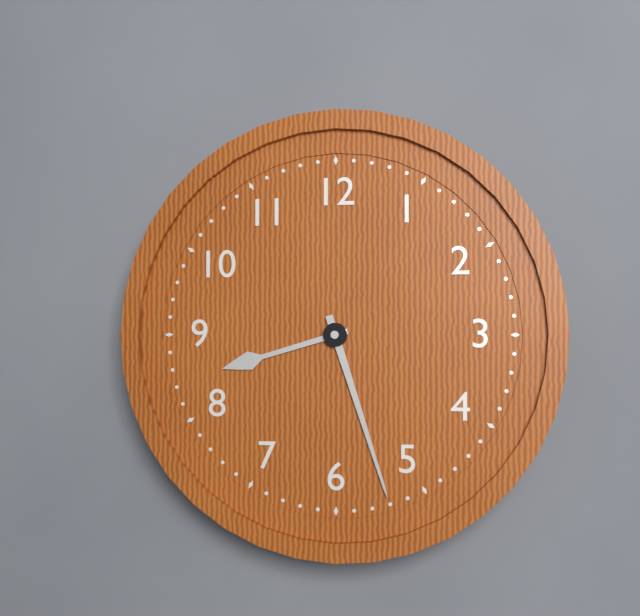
{"hour": 8, "minute": 27}
